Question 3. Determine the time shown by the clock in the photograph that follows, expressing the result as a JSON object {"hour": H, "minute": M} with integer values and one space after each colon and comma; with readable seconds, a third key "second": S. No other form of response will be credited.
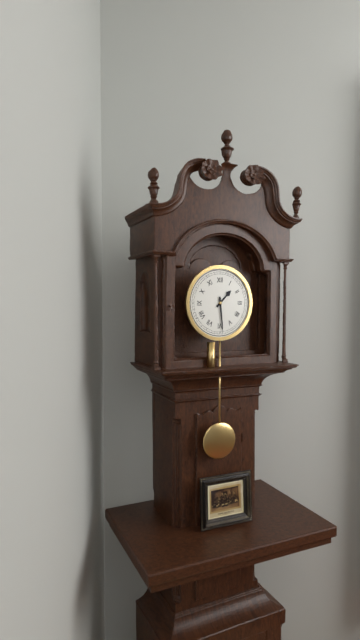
{"hour": 1, "minute": 29}
